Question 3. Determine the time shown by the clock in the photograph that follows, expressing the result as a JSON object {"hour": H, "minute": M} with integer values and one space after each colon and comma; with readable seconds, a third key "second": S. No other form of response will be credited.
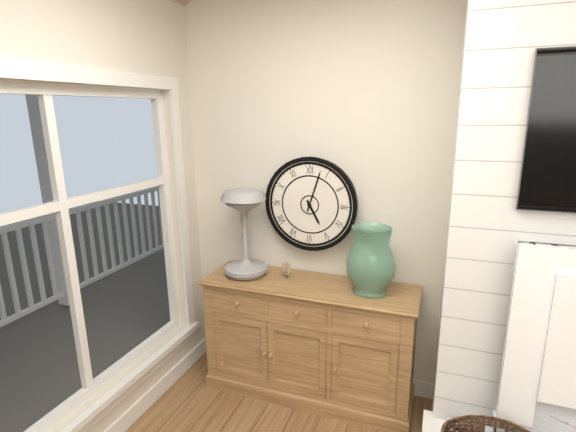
{"hour": 5, "minute": 3}
